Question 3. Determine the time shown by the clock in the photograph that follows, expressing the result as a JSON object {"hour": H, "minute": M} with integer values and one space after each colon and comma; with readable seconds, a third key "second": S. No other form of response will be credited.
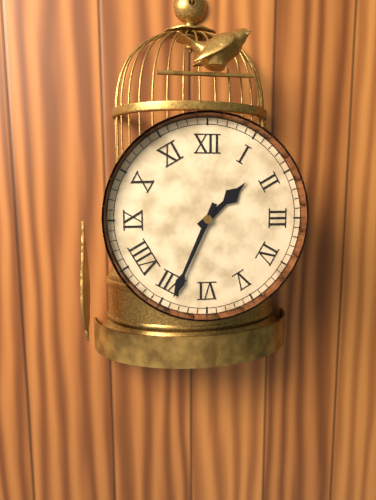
{"hour": 1, "minute": 34}
